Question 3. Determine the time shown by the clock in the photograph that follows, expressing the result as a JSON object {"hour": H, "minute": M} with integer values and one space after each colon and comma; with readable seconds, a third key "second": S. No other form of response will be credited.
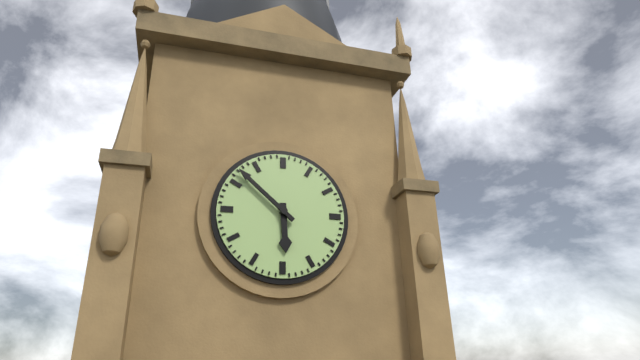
{"hour": 5, "minute": 52}
